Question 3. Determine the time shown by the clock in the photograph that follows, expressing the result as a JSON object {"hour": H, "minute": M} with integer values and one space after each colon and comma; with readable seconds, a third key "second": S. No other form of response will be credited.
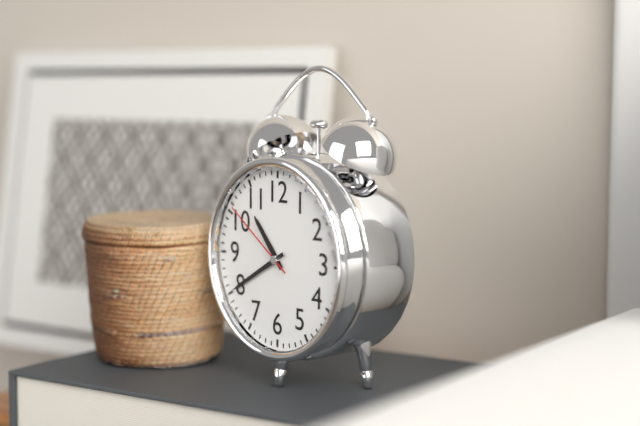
{"hour": 10, "minute": 40, "second": 51}
